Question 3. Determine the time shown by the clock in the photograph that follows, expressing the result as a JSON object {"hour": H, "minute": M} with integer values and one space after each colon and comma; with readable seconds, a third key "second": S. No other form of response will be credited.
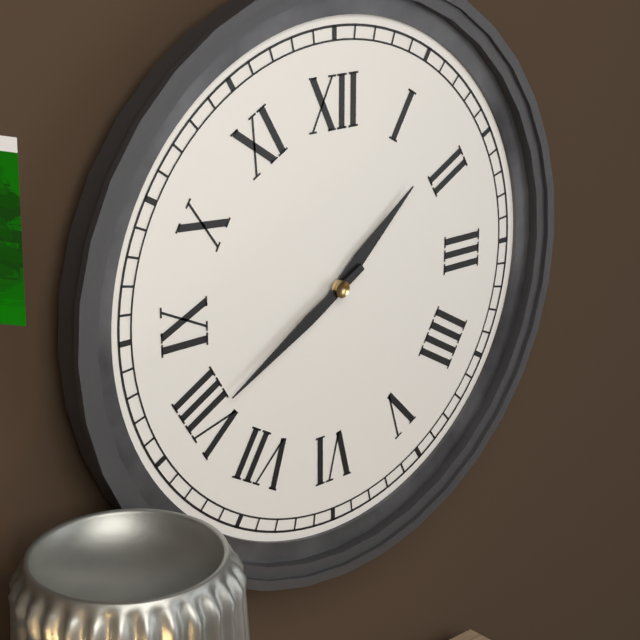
{"hour": 1, "minute": 40}
